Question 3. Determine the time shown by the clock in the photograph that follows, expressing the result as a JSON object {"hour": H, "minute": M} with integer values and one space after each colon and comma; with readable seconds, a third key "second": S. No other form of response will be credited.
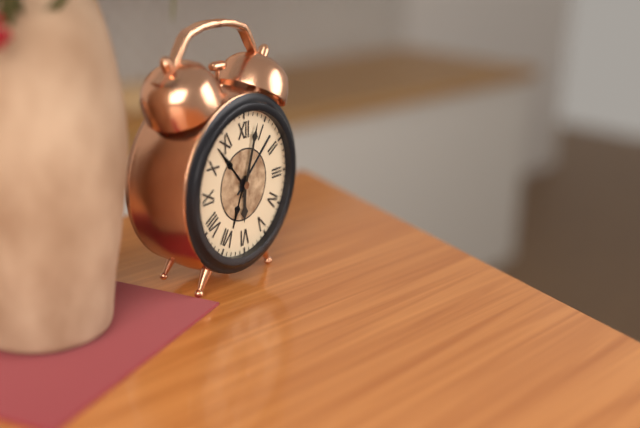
{"hour": 6, "minute": 3}
